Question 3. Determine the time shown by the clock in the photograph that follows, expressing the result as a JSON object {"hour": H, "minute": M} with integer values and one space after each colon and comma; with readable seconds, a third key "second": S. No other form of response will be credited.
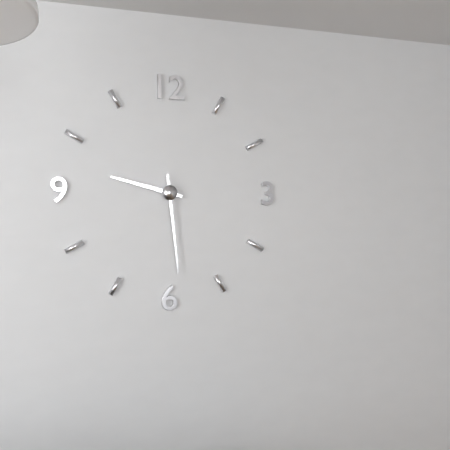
{"hour": 9, "minute": 29}
